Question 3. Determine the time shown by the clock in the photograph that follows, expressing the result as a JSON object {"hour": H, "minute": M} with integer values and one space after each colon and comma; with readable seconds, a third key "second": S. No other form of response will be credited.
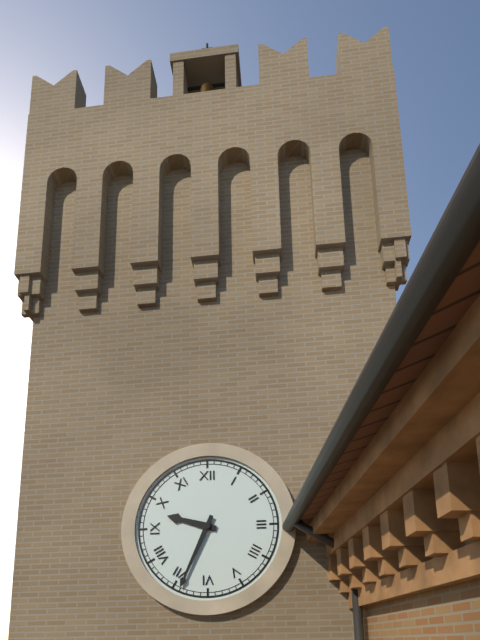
{"hour": 9, "minute": 34}
